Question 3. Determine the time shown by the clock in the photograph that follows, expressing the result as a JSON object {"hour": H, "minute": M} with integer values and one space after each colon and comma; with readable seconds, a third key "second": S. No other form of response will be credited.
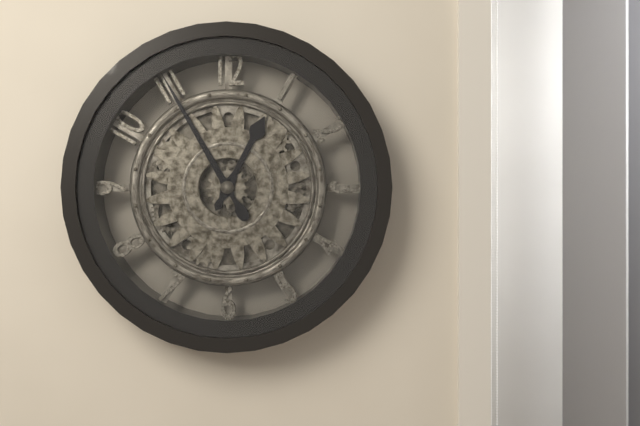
{"hour": 12, "minute": 55}
